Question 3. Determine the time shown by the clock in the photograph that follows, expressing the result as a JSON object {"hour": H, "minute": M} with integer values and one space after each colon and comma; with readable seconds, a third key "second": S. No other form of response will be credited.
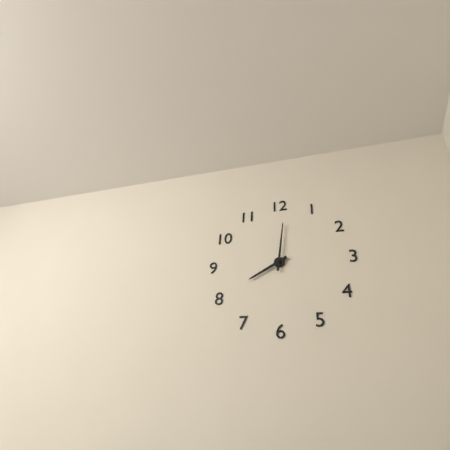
{"hour": 8, "minute": 1}
